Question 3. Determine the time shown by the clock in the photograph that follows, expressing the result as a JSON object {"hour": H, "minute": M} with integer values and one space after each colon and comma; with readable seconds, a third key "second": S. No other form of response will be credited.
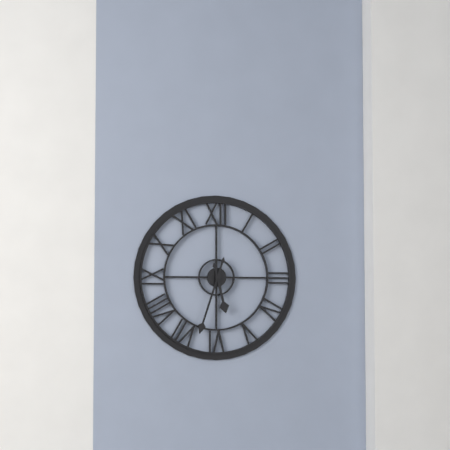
{"hour": 5, "minute": 33}
